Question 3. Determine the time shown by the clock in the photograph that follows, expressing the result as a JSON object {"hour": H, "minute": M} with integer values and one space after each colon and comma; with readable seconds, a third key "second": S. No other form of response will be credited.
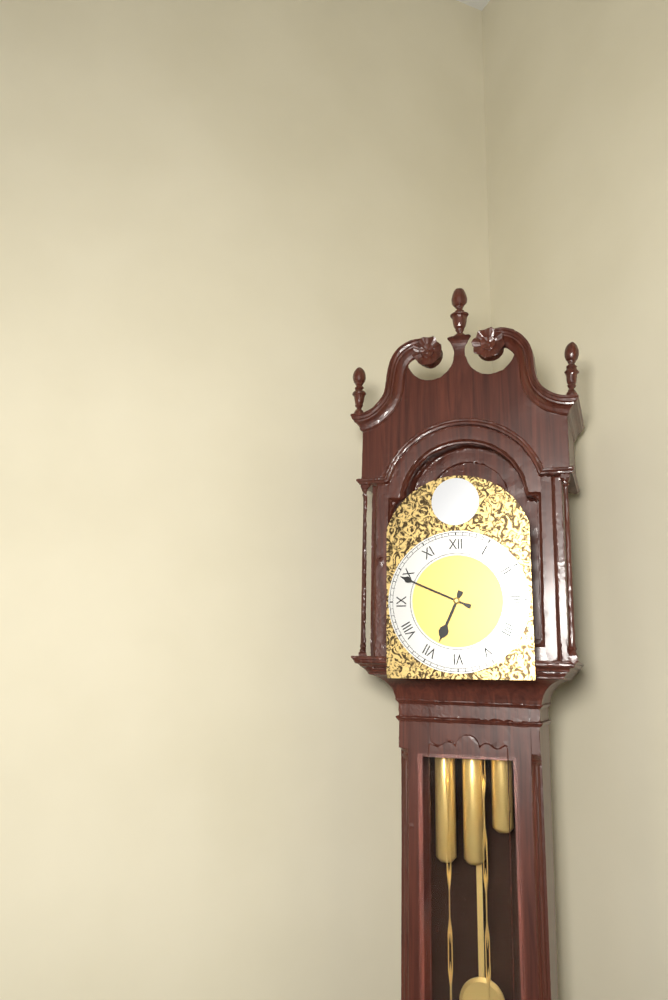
{"hour": 6, "minute": 49}
